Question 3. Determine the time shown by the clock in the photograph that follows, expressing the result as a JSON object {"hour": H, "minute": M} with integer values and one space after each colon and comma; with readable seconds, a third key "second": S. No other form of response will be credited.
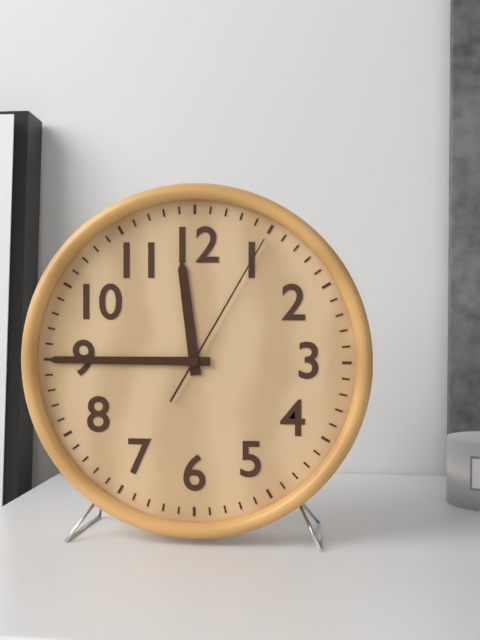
{"hour": 11, "minute": 45, "second": 5}
